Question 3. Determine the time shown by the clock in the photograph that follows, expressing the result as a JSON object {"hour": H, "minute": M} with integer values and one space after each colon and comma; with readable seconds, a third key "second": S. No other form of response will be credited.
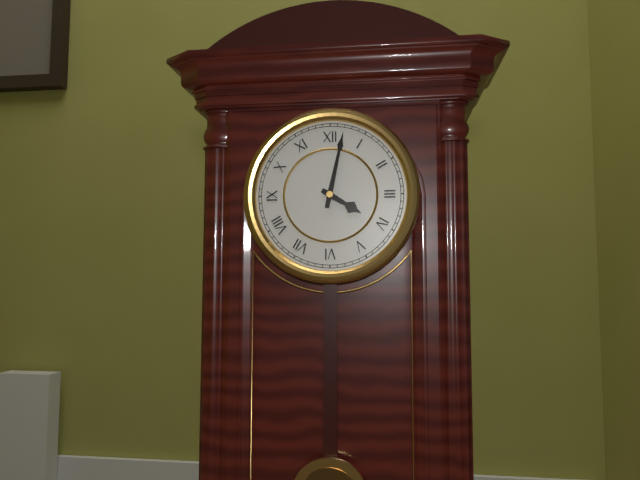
{"hour": 4, "minute": 2}
